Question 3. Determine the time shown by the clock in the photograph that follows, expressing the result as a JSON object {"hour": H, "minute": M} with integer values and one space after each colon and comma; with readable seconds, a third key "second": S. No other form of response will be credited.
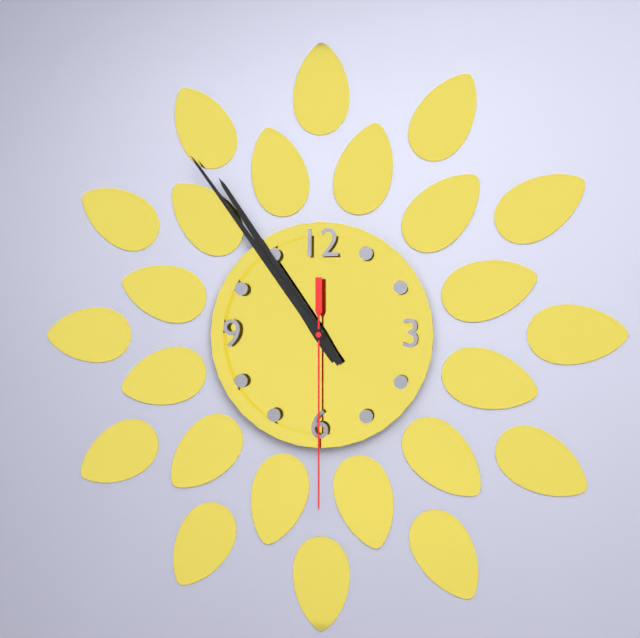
{"hour": 10, "minute": 54, "second": 30}
